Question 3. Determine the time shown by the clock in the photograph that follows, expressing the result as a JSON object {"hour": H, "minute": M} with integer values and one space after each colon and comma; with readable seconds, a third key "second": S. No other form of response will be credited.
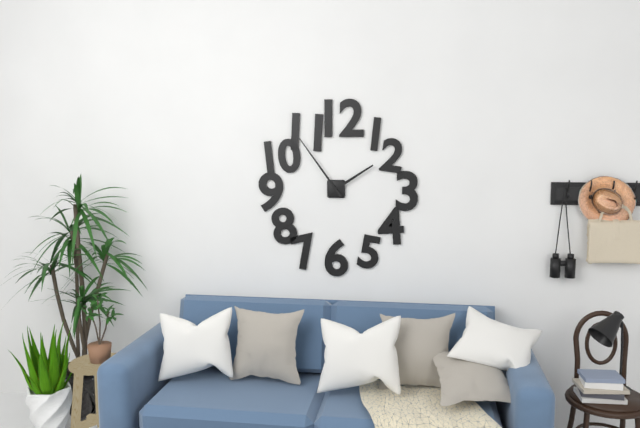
{"hour": 1, "minute": 54}
